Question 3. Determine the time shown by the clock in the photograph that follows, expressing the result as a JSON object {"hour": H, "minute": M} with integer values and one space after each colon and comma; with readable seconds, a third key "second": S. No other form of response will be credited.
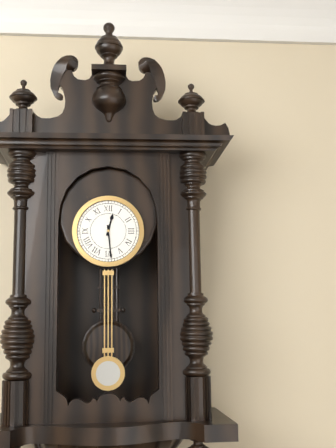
{"hour": 12, "minute": 29}
